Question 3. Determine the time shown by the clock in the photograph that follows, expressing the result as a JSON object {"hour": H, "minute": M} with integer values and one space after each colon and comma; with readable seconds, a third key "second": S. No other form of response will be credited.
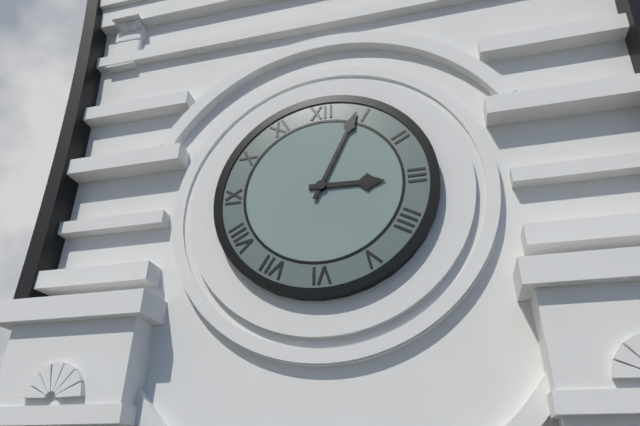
{"hour": 3, "minute": 4}
